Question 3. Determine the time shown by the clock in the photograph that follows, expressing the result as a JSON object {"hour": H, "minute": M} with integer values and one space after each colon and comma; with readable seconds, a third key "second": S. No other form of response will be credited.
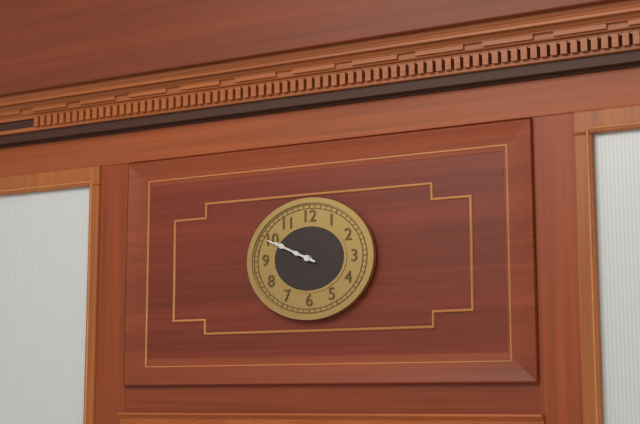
{"hour": 9, "minute": 49}
